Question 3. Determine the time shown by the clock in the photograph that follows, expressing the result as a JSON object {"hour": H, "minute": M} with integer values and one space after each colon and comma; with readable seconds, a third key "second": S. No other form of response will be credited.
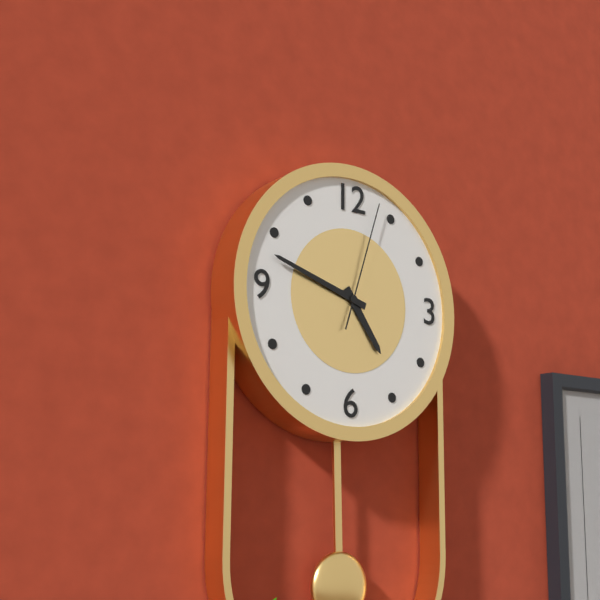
{"hour": 4, "minute": 48, "second": 3}
